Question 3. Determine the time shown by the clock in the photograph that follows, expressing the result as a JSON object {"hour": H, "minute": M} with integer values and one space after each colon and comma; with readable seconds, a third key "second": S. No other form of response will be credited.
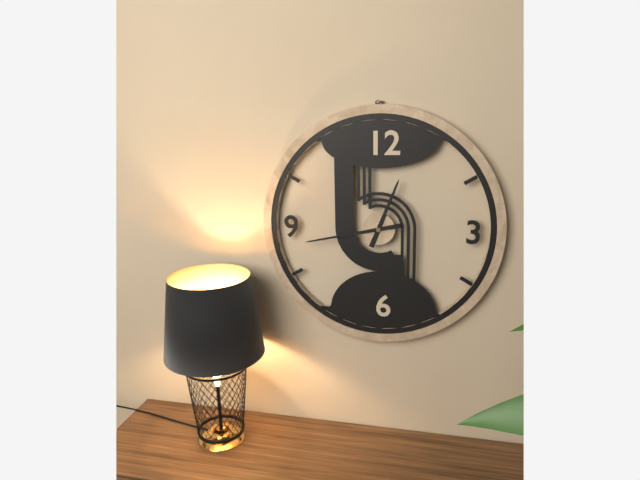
{"hour": 12, "minute": 43}
